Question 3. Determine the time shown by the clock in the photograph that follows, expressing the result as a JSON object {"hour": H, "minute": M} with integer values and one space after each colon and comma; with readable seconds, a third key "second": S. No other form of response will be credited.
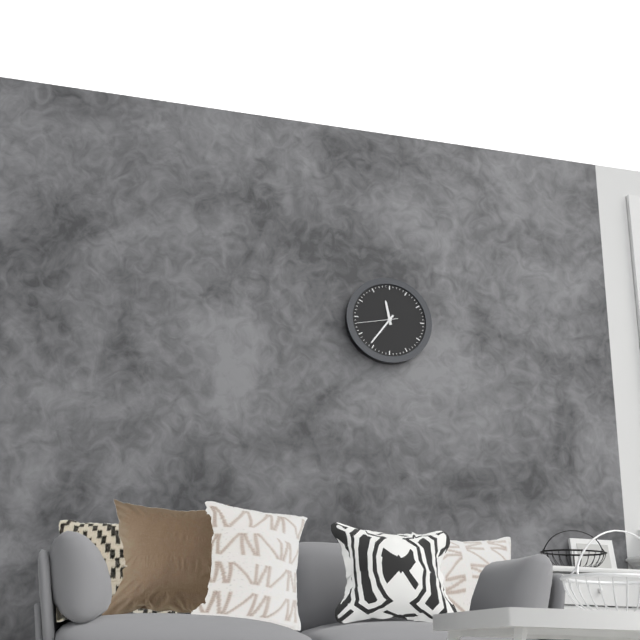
{"hour": 11, "minute": 36}
